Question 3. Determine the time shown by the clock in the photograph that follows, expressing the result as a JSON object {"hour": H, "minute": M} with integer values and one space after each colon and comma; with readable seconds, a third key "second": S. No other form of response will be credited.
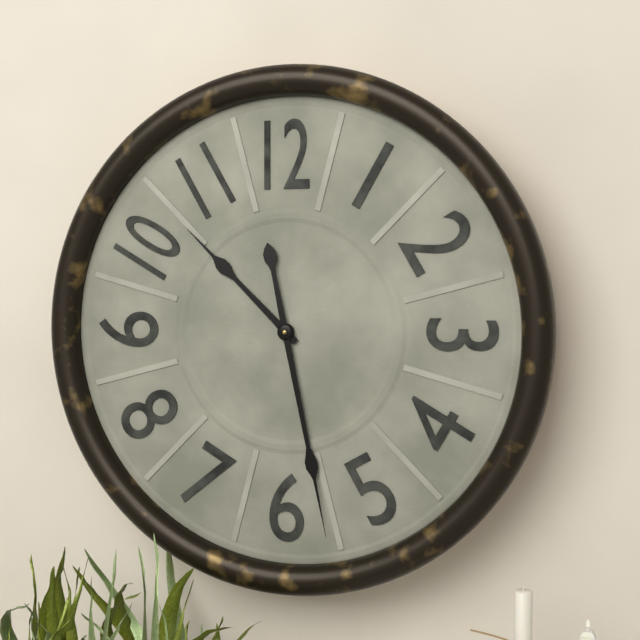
{"hour": 10, "minute": 28}
